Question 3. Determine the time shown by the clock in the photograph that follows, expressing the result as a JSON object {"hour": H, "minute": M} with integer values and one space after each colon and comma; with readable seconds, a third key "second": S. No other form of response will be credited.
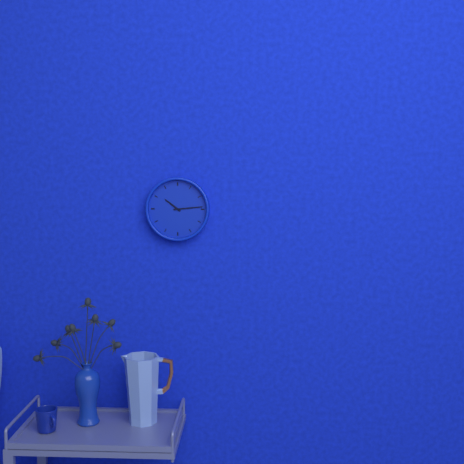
{"hour": 10, "minute": 14}
